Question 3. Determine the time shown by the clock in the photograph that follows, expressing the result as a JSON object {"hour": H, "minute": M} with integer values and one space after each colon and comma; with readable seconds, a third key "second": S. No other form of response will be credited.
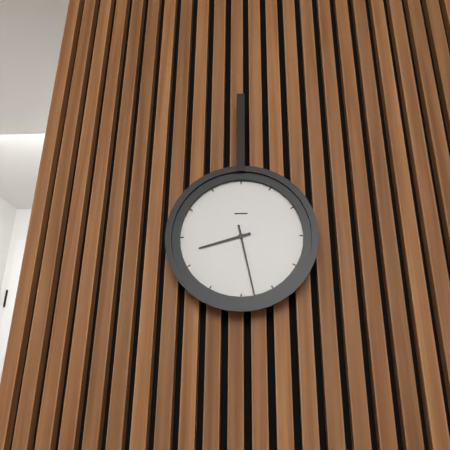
{"hour": 8, "minute": 28}
